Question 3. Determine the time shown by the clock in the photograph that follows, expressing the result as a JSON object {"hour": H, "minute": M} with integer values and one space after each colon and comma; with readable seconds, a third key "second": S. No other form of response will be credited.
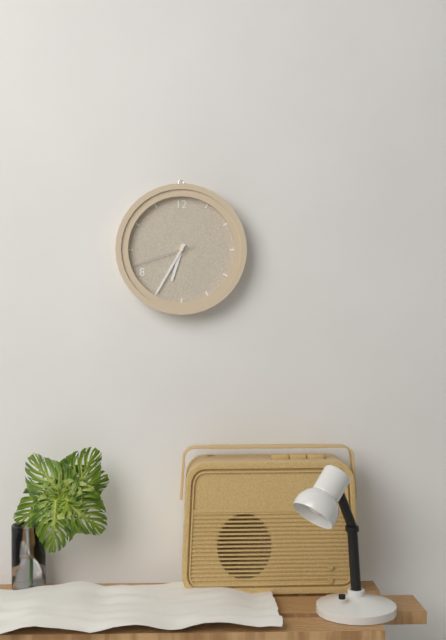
{"hour": 6, "minute": 35, "second": 42}
